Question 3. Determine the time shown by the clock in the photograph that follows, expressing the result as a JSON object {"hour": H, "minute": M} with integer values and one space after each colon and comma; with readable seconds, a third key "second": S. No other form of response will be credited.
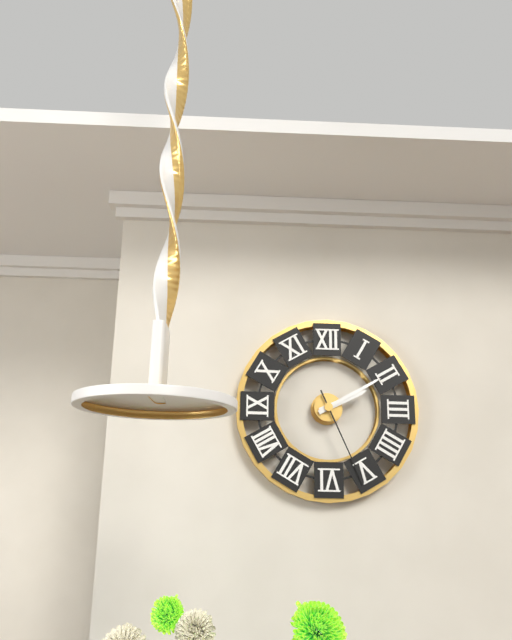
{"hour": 2, "minute": 10, "second": 26}
